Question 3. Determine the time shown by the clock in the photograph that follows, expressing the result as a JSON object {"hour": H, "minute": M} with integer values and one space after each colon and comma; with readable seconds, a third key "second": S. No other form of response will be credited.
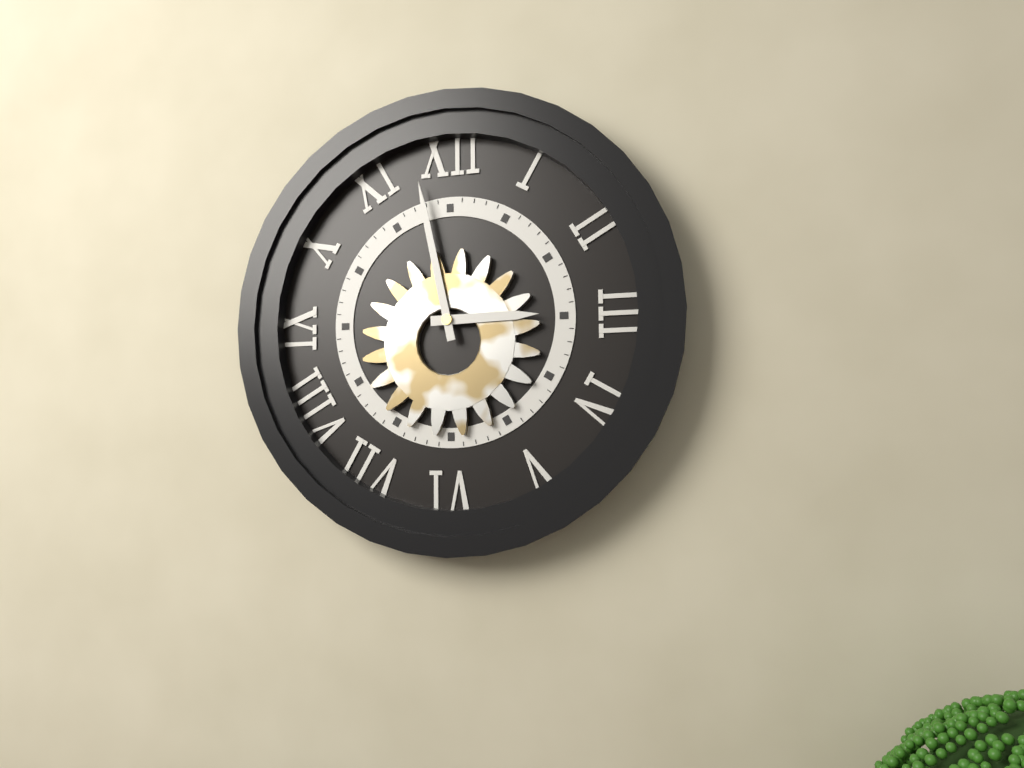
{"hour": 2, "minute": 58}
